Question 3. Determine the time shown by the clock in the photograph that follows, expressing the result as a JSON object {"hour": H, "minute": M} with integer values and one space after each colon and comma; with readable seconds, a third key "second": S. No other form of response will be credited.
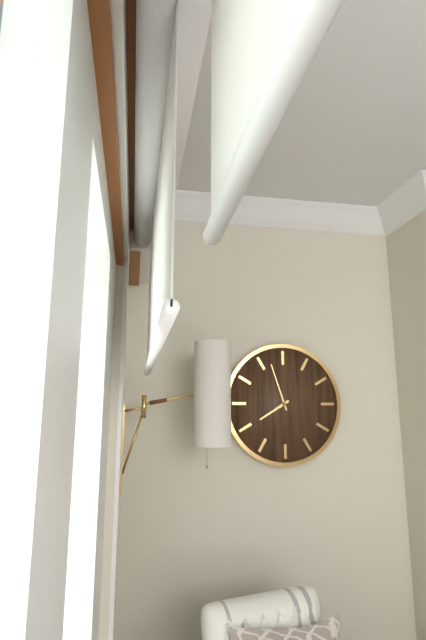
{"hour": 7, "minute": 57}
